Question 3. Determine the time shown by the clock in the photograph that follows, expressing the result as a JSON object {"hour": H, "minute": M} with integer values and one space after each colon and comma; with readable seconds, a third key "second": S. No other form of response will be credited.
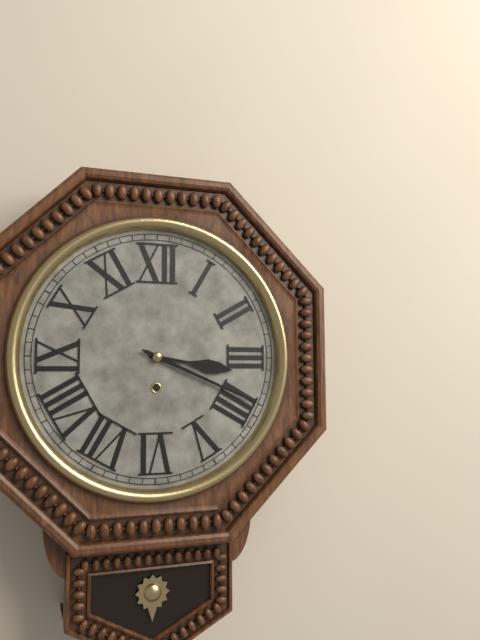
{"hour": 3, "minute": 19}
